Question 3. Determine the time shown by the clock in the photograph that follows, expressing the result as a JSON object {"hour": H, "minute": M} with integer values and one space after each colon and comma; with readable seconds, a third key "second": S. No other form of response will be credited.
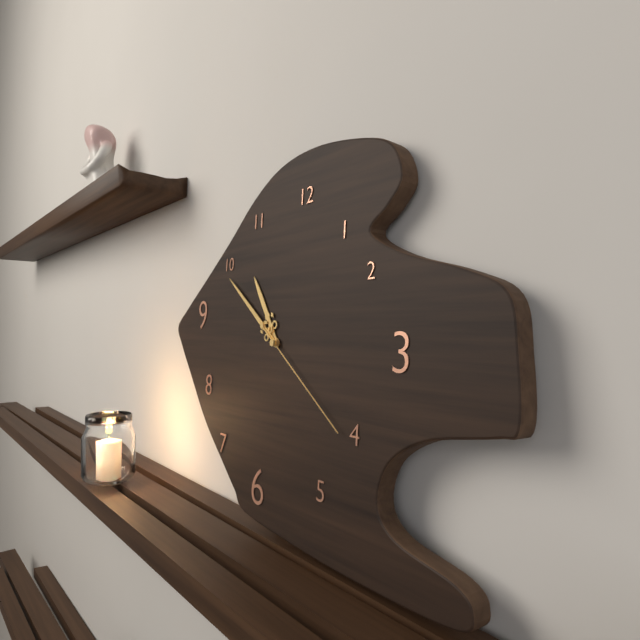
{"hour": 10, "minute": 51, "second": 21}
